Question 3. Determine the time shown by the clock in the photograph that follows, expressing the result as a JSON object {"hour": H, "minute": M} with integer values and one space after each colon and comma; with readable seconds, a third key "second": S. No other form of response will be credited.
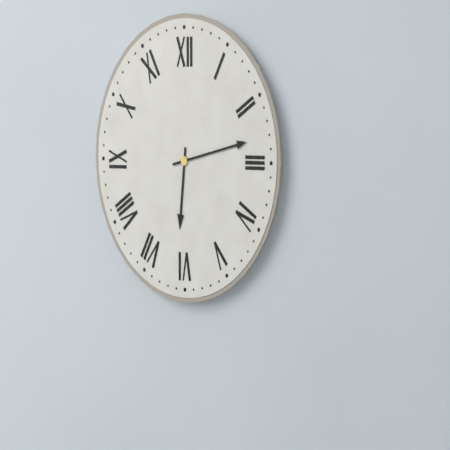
{"hour": 6, "minute": 13}
